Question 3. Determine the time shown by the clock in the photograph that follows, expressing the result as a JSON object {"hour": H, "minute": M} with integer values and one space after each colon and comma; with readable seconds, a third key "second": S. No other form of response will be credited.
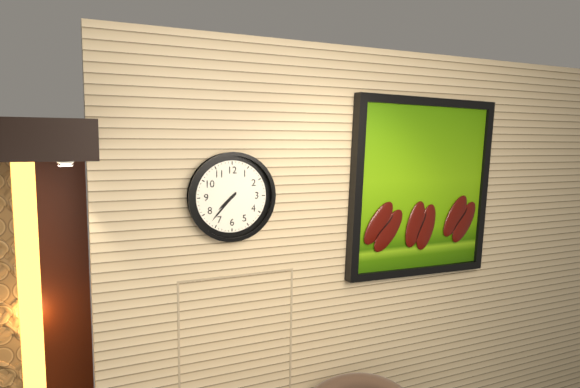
{"hour": 7, "minute": 37}
